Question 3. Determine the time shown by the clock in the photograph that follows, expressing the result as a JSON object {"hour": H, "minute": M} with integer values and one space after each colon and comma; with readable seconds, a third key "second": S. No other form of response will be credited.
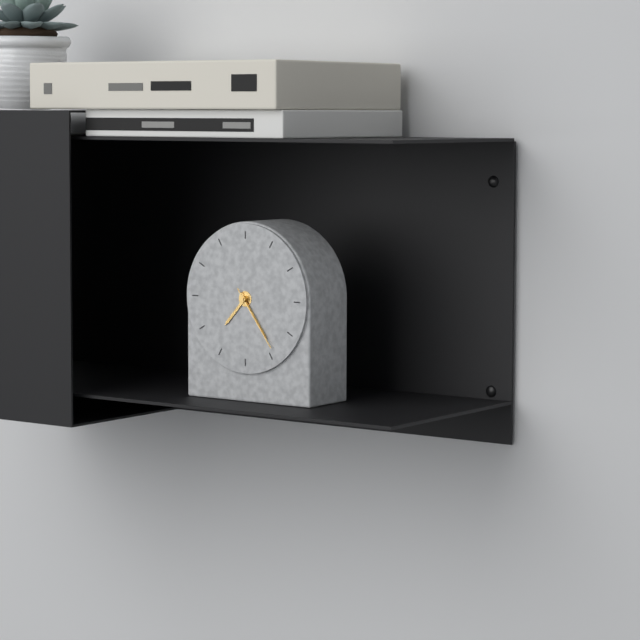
{"hour": 7, "minute": 24, "second": 24}
